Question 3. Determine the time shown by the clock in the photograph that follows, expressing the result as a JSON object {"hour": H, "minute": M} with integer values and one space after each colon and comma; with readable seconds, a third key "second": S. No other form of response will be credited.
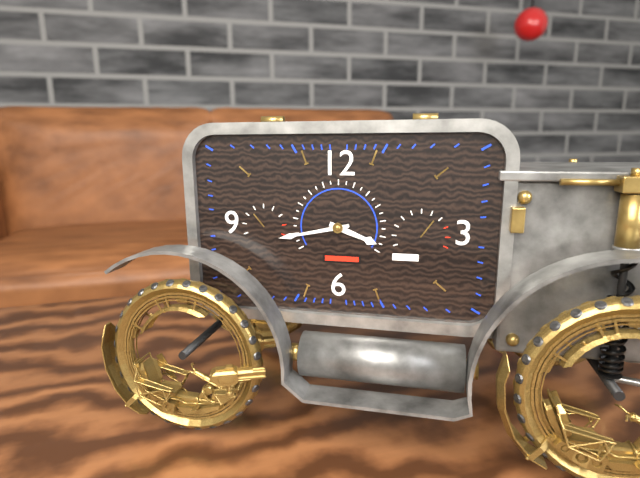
{"hour": 3, "minute": 43}
